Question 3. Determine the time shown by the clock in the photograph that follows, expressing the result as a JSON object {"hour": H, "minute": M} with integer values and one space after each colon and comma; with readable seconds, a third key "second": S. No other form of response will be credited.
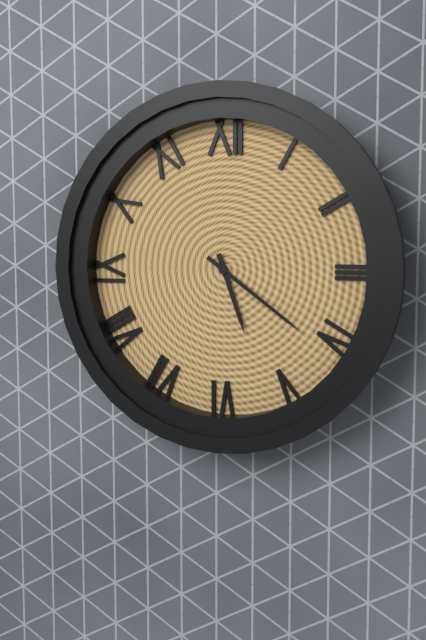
{"hour": 5, "minute": 21}
